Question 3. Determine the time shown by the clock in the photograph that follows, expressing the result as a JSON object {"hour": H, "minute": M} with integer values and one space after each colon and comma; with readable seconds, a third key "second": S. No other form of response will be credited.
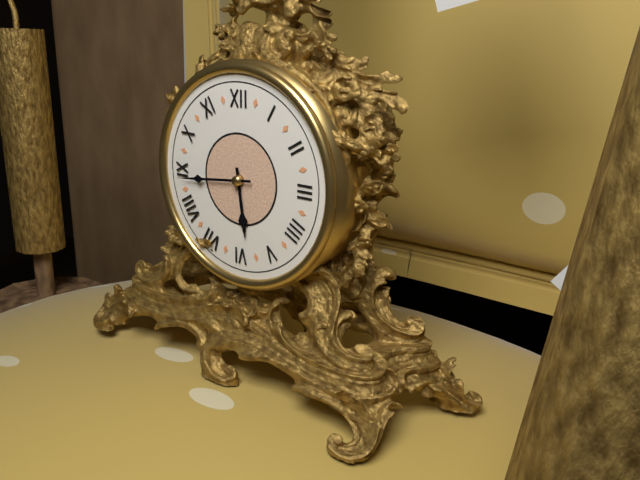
{"hour": 5, "minute": 44}
